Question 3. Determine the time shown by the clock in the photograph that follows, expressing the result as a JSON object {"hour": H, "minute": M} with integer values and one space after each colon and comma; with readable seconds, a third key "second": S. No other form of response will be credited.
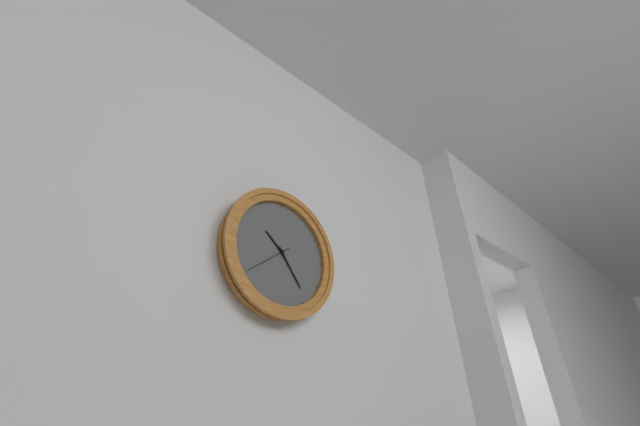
{"hour": 10, "minute": 24}
